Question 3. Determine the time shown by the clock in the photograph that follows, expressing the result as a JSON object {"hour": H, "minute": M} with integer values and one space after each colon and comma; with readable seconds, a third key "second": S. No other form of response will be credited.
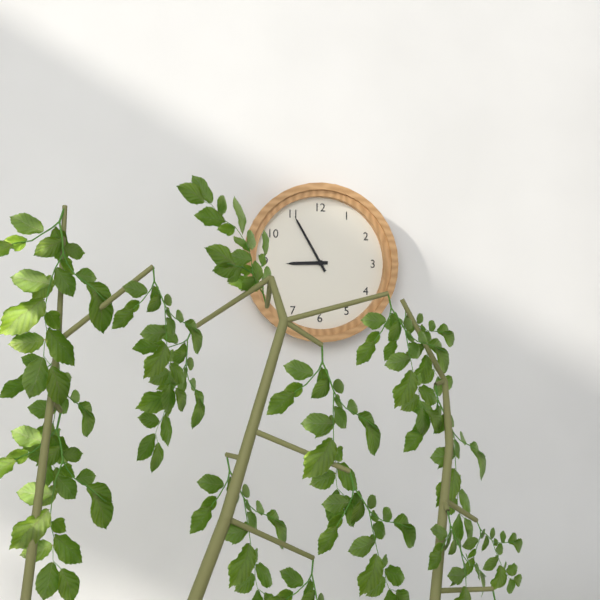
{"hour": 8, "minute": 55}
